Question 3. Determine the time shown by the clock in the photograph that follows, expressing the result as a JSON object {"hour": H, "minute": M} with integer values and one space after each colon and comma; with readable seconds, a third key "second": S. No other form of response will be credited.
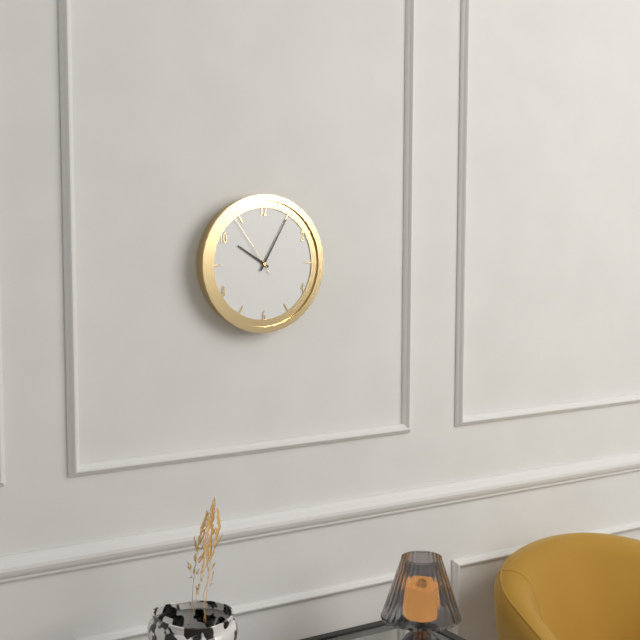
{"hour": 10, "minute": 5, "second": 54}
